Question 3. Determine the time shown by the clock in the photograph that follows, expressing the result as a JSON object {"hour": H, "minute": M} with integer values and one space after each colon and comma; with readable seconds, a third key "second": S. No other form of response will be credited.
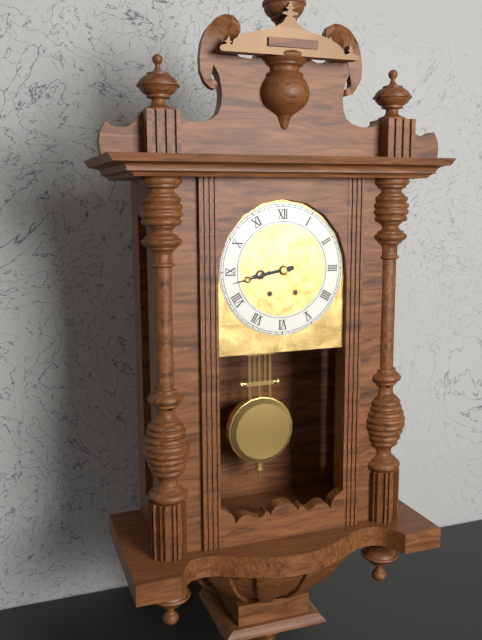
{"hour": 8, "minute": 43}
